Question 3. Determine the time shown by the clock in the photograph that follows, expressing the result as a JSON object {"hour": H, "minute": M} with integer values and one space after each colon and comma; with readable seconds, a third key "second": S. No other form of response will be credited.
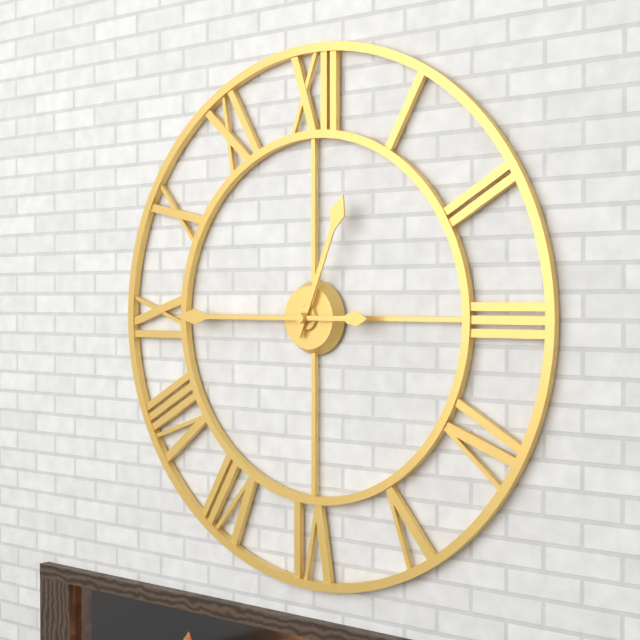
{"hour": 12, "minute": 45}
